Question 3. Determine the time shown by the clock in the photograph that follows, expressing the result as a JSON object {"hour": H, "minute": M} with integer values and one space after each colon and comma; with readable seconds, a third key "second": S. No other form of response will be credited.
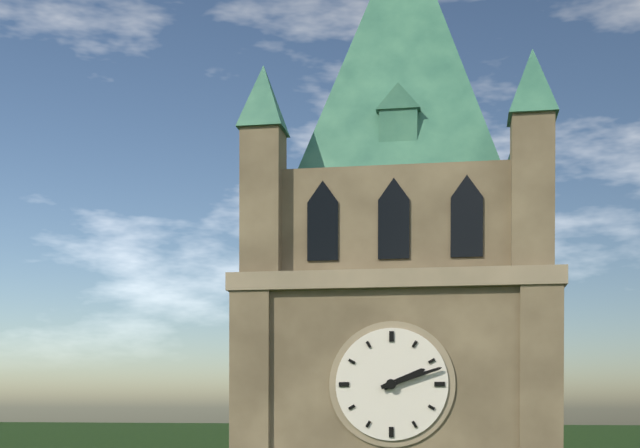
{"hour": 2, "minute": 12}
